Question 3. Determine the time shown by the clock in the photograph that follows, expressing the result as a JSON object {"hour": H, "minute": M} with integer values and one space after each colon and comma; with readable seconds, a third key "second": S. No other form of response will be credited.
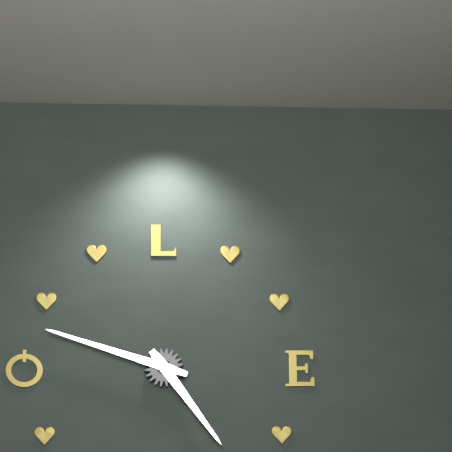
{"hour": 4, "minute": 48}
